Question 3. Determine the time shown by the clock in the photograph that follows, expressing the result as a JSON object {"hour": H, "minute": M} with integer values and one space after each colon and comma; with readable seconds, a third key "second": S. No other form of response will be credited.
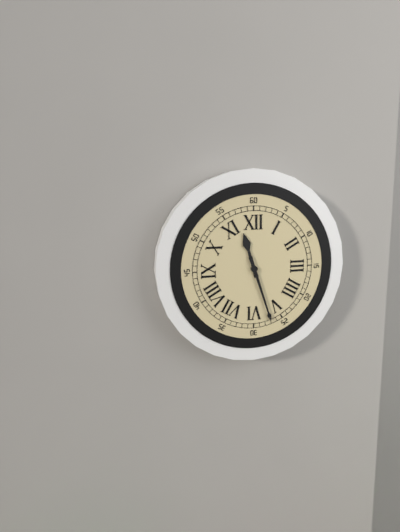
{"hour": 11, "minute": 27}
